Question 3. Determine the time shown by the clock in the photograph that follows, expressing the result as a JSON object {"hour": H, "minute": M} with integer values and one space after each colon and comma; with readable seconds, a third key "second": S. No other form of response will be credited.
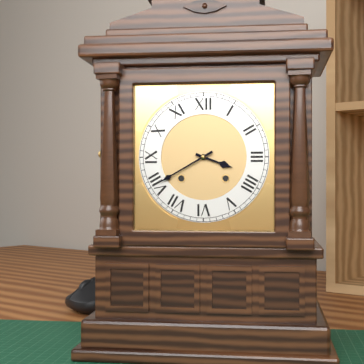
{"hour": 3, "minute": 40}
